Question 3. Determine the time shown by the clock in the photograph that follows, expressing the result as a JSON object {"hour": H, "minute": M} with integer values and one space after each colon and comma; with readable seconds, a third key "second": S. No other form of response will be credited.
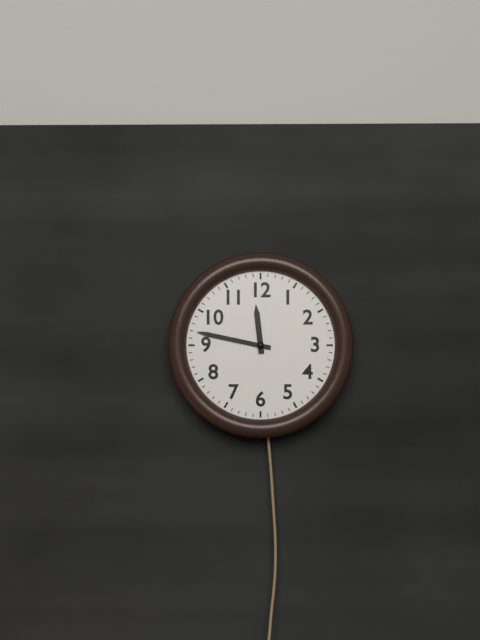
{"hour": 11, "minute": 47}
